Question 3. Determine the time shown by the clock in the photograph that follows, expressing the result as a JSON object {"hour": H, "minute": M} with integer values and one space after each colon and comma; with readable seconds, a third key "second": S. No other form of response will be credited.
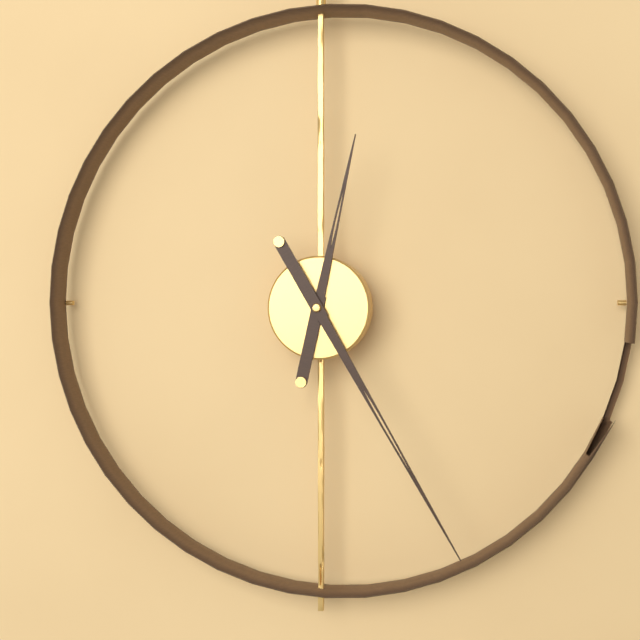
{"hour": 12, "minute": 25}
